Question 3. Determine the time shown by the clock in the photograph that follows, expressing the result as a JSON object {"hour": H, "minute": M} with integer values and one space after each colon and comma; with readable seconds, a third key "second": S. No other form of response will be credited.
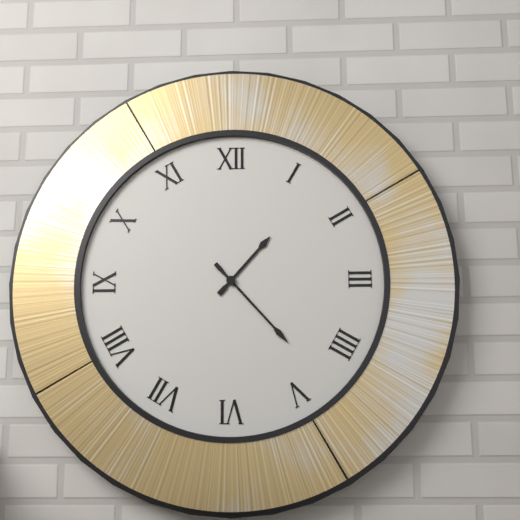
{"hour": 1, "minute": 23}
